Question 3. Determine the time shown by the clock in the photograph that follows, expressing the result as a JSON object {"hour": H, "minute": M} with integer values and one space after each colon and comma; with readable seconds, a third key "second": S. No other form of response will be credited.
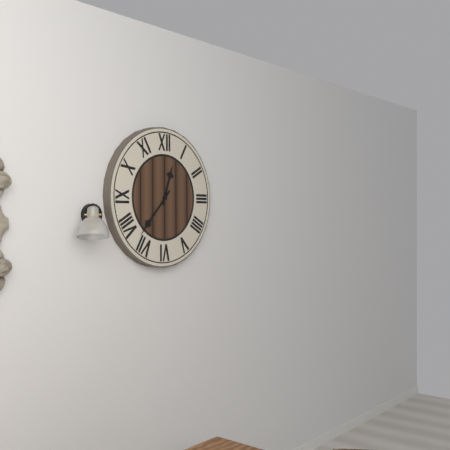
{"hour": 12, "minute": 37}
